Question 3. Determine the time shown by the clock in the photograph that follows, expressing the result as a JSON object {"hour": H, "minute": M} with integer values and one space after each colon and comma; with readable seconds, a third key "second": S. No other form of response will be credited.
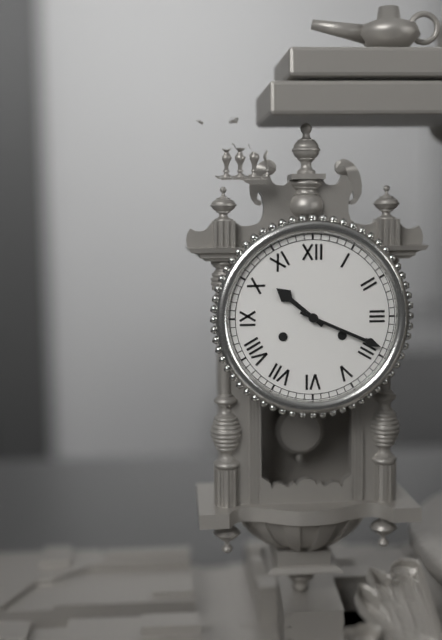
{"hour": 10, "minute": 19}
